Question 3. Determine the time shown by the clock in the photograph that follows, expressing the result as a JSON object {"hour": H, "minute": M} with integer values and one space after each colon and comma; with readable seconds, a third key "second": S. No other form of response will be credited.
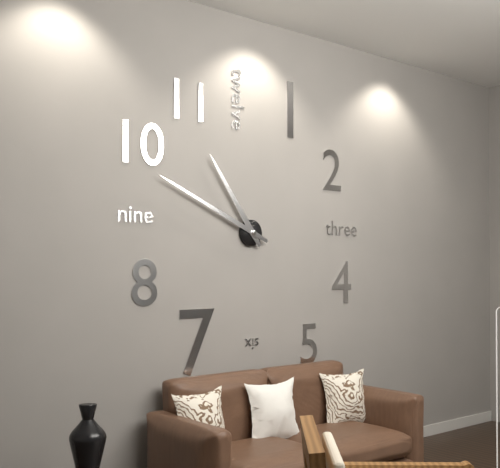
{"hour": 10, "minute": 49}
